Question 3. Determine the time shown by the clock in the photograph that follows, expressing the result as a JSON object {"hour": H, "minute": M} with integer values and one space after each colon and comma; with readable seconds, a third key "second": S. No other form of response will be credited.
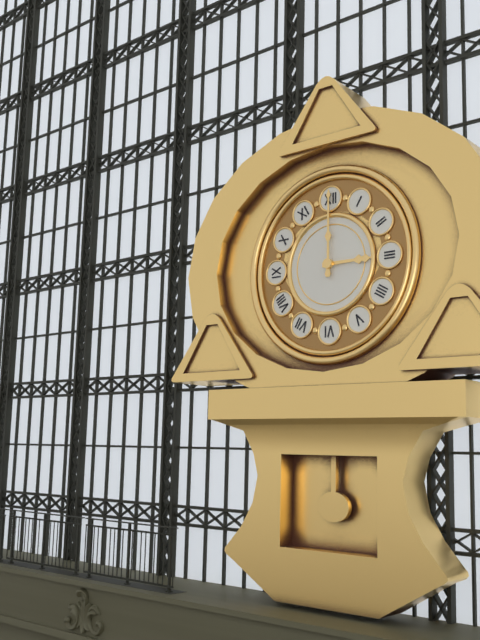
{"hour": 3, "minute": 0}
